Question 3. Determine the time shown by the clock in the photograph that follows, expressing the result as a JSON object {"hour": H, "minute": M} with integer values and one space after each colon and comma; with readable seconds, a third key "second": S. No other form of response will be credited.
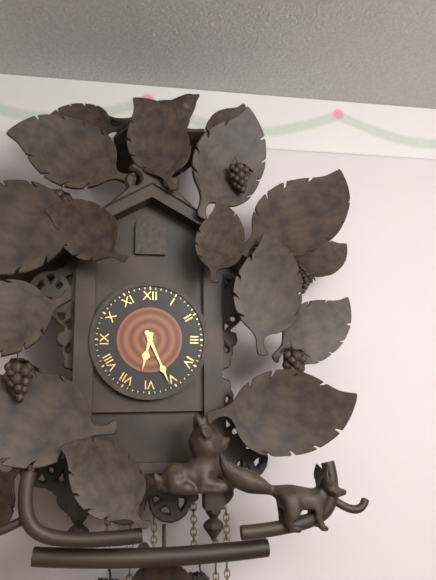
{"hour": 6, "minute": 26}
